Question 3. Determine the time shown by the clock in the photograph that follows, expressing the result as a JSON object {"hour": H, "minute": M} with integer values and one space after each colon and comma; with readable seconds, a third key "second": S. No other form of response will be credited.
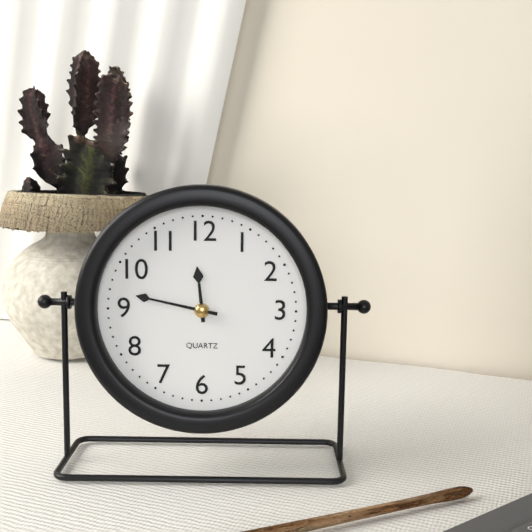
{"hour": 11, "minute": 47}
